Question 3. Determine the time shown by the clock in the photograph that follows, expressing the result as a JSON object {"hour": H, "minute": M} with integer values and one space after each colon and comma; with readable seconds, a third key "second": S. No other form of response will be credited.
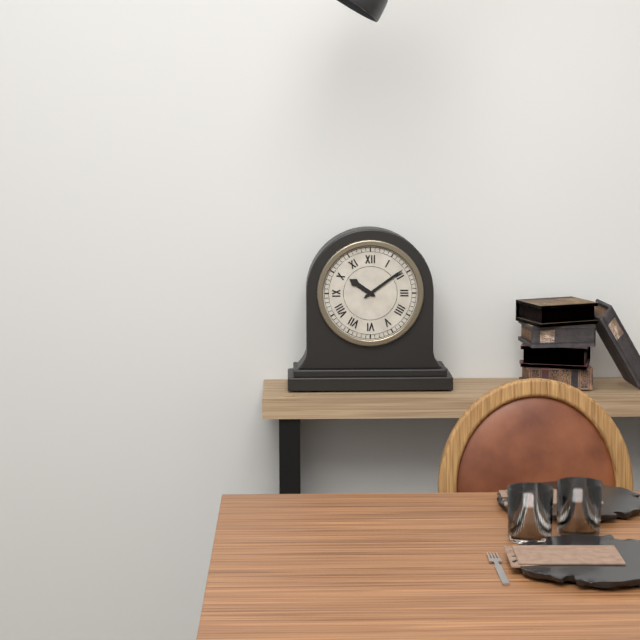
{"hour": 10, "minute": 9}
